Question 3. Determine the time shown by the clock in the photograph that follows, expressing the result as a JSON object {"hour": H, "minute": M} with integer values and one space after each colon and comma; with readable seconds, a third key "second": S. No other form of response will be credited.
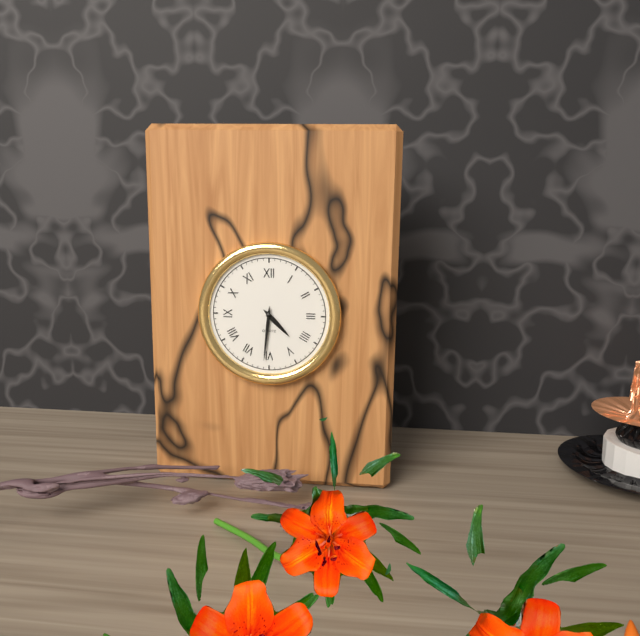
{"hour": 4, "minute": 31}
